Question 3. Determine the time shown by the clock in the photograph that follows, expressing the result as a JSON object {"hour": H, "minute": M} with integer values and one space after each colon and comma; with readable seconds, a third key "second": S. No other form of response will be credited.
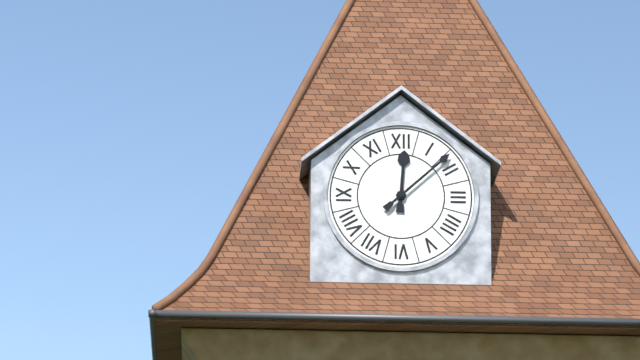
{"hour": 12, "minute": 8}
